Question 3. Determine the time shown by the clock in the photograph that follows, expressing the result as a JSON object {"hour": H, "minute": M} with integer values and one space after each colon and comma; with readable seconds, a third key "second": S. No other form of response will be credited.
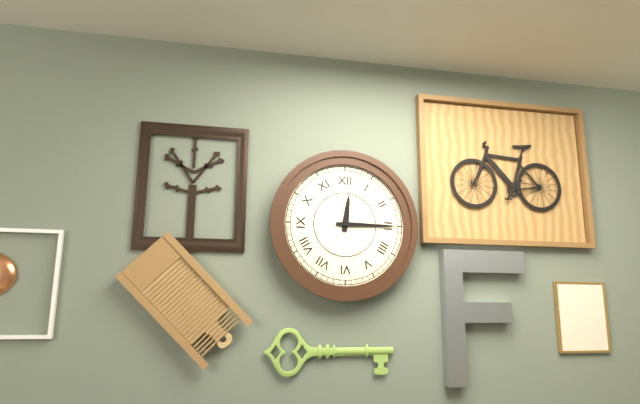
{"hour": 12, "minute": 15}
